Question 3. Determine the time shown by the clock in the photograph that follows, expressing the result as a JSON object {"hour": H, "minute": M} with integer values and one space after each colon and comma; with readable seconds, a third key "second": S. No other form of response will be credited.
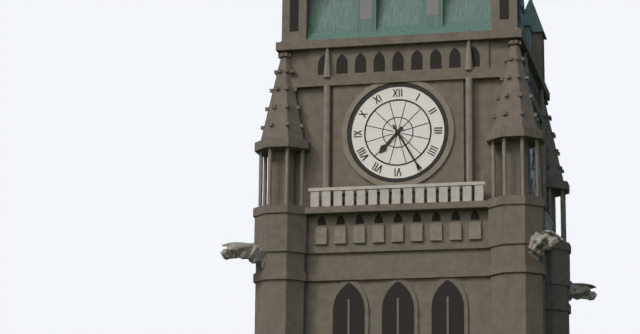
{"hour": 7, "minute": 25}
